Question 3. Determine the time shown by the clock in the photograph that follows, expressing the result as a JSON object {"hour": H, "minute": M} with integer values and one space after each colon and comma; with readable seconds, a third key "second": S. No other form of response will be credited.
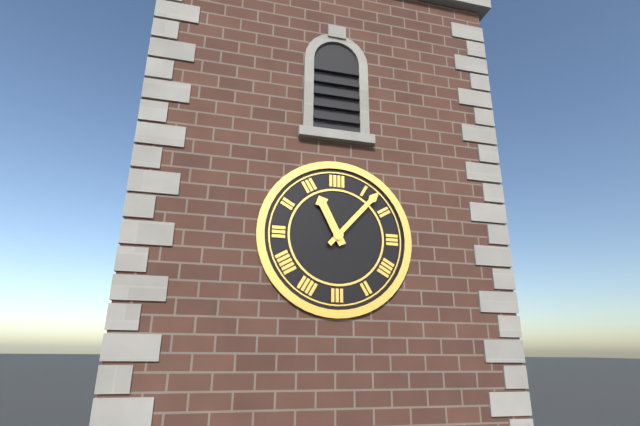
{"hour": 11, "minute": 7}
